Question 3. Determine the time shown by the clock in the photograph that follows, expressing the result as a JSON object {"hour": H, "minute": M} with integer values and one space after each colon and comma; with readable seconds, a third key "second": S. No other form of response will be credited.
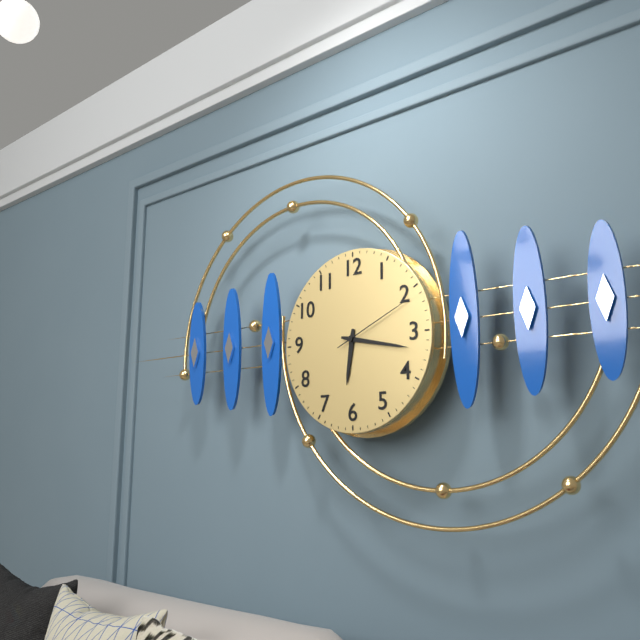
{"hour": 6, "minute": 17, "second": 11}
